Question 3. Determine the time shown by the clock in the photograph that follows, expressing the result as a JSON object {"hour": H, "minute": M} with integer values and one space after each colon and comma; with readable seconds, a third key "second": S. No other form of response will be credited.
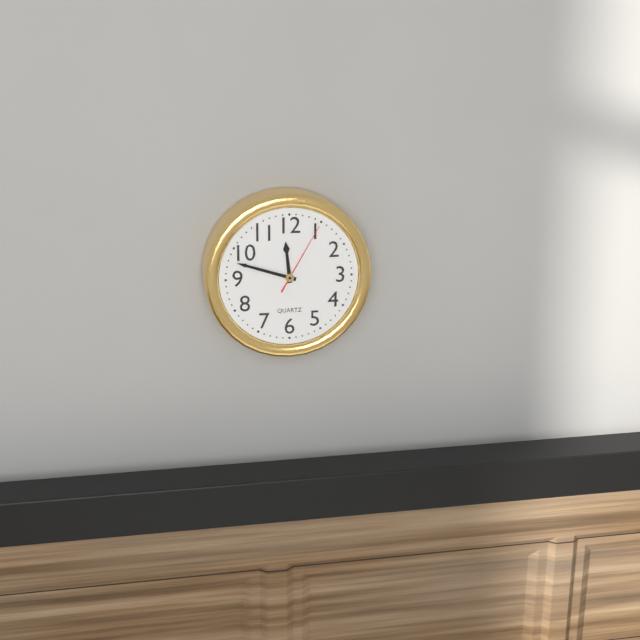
{"hour": 11, "minute": 48, "second": 5}
